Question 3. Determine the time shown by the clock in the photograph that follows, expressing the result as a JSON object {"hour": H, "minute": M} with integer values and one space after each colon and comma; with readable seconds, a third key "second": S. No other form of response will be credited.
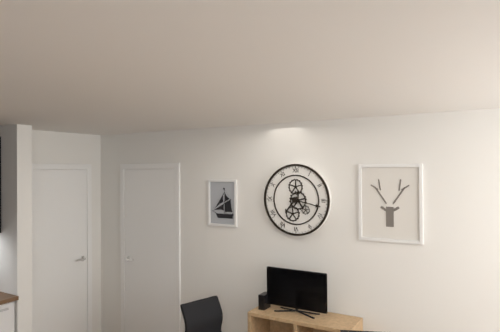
{"hour": 7, "minute": 17}
